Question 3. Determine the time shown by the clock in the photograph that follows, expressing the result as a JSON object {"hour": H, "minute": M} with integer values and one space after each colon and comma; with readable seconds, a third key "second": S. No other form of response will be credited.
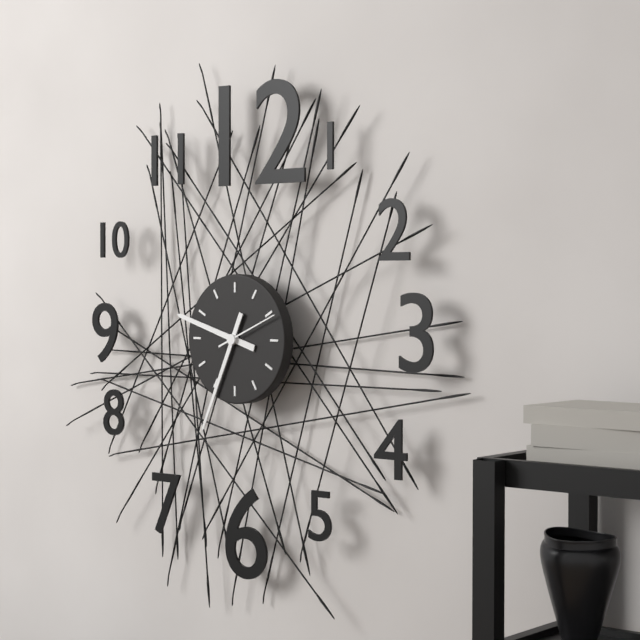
{"hour": 9, "minute": 34, "second": 11}
